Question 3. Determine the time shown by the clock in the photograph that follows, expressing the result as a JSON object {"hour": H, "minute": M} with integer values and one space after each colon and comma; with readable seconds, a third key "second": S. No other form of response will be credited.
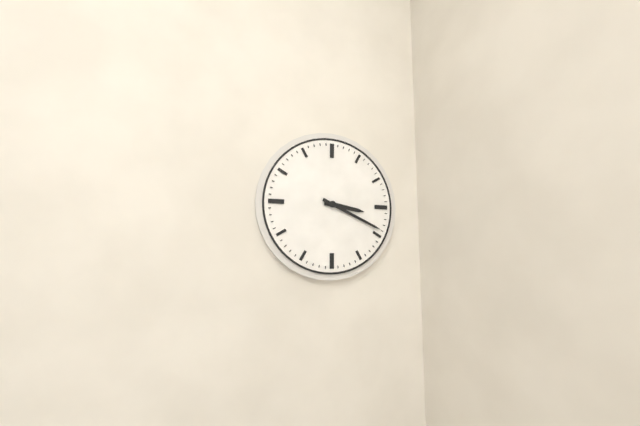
{"hour": 3, "minute": 19}
